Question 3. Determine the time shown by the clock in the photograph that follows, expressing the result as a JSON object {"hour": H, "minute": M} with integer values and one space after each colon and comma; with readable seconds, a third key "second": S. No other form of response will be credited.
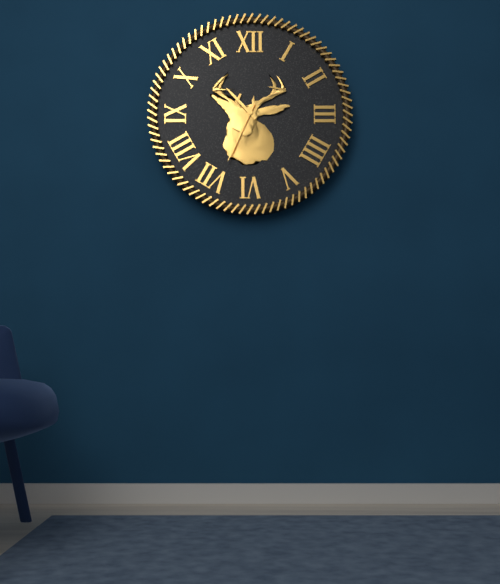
{"hour": 10, "minute": 34}
